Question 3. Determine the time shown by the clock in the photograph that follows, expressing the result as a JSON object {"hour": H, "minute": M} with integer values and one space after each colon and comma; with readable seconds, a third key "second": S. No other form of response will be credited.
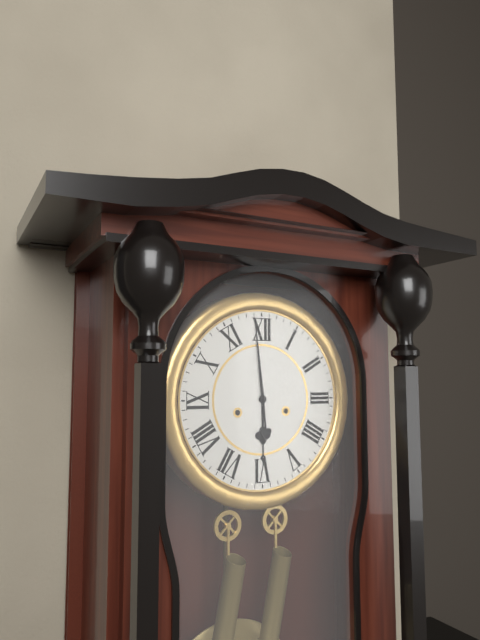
{"hour": 5, "minute": 59}
